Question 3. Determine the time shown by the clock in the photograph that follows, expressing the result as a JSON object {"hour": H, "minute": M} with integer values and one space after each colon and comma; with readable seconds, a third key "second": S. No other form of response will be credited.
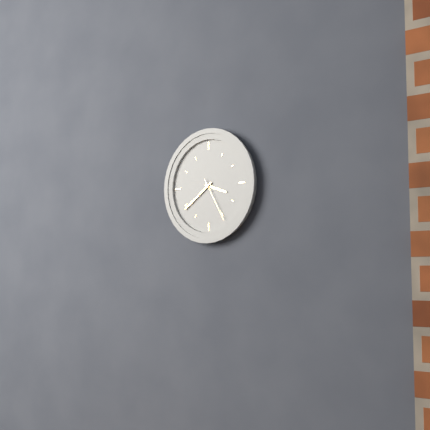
{"hour": 3, "minute": 39}
